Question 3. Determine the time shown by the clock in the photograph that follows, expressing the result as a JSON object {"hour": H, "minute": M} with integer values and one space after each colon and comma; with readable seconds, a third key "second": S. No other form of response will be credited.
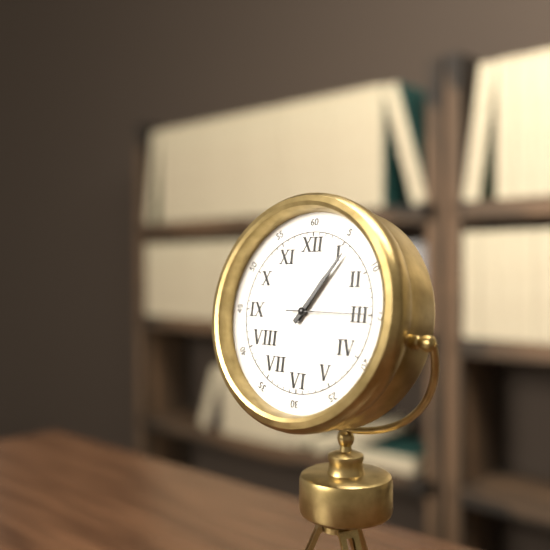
{"hour": 1, "minute": 6, "second": 15}
